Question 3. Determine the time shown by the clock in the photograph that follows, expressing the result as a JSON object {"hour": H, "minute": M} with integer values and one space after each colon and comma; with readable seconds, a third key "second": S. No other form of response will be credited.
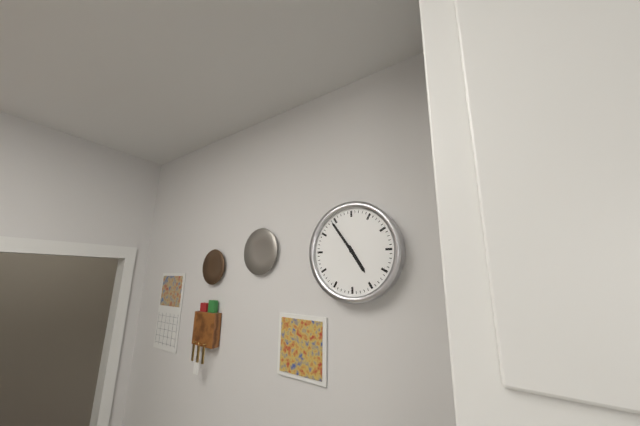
{"hour": 4, "minute": 54}
